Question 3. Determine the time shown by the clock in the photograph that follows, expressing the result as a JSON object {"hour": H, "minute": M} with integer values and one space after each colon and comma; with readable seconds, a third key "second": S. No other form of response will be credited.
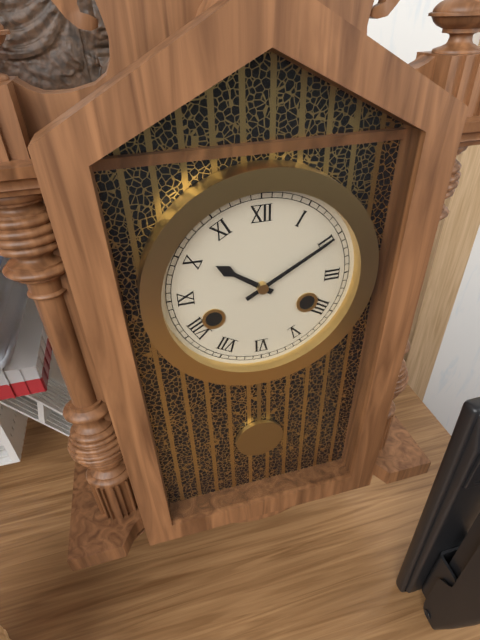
{"hour": 10, "minute": 10}
